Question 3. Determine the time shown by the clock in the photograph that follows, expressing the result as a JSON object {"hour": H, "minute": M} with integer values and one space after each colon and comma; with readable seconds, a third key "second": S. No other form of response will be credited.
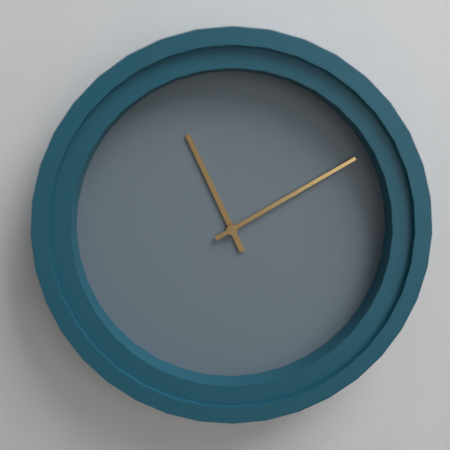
{"hour": 11, "minute": 10}
